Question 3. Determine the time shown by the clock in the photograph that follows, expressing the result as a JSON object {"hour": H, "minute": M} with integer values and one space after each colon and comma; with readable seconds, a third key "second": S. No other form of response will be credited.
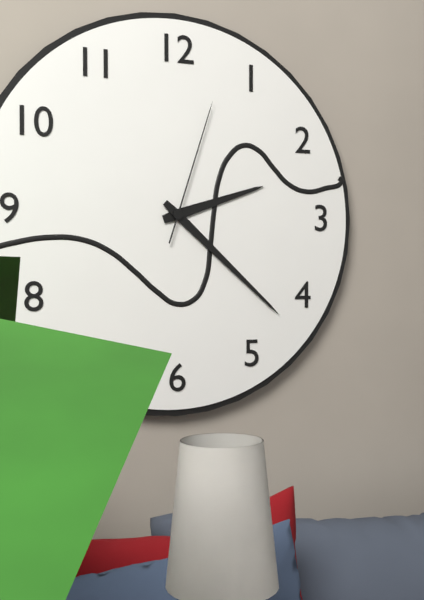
{"hour": 2, "minute": 22, "second": 3}
